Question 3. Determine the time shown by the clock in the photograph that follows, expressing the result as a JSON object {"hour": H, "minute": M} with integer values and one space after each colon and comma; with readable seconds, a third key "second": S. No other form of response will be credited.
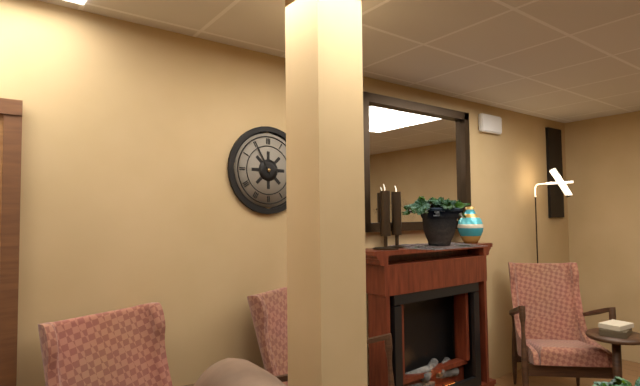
{"hour": 2, "minute": 55}
